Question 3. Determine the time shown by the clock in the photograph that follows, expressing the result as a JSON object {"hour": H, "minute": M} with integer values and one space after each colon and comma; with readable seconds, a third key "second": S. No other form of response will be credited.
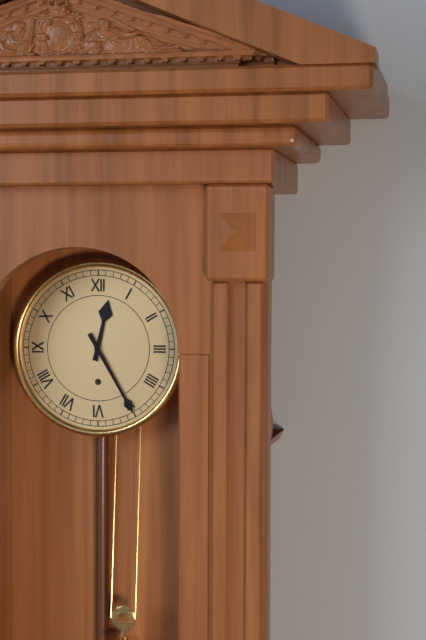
{"hour": 12, "minute": 25}
